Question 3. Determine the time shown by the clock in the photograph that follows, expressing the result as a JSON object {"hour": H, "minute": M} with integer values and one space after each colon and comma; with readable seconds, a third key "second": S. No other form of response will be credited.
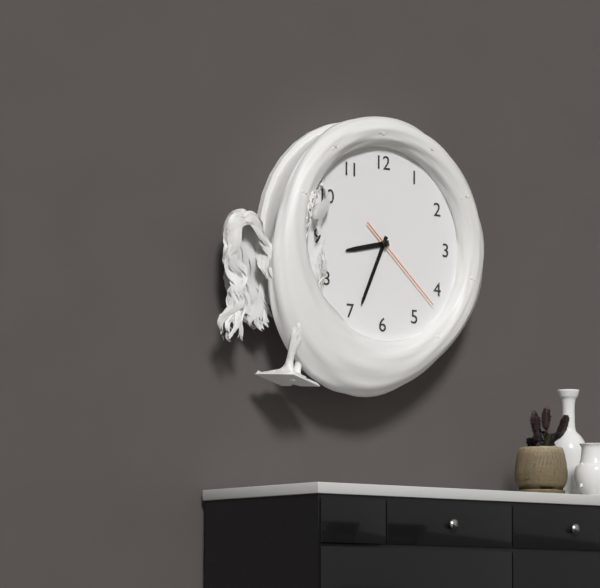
{"hour": 8, "minute": 34, "second": 22}
